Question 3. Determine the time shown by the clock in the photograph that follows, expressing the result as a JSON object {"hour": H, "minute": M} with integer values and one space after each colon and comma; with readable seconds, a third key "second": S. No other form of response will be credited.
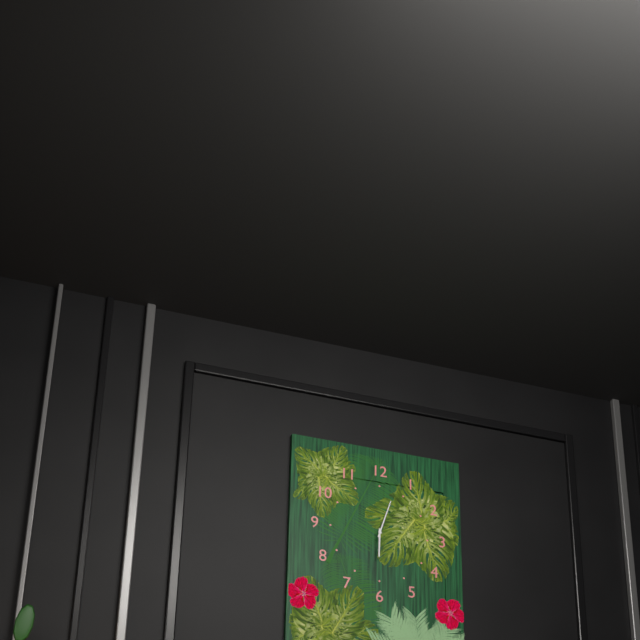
{"hour": 6, "minute": 3}
